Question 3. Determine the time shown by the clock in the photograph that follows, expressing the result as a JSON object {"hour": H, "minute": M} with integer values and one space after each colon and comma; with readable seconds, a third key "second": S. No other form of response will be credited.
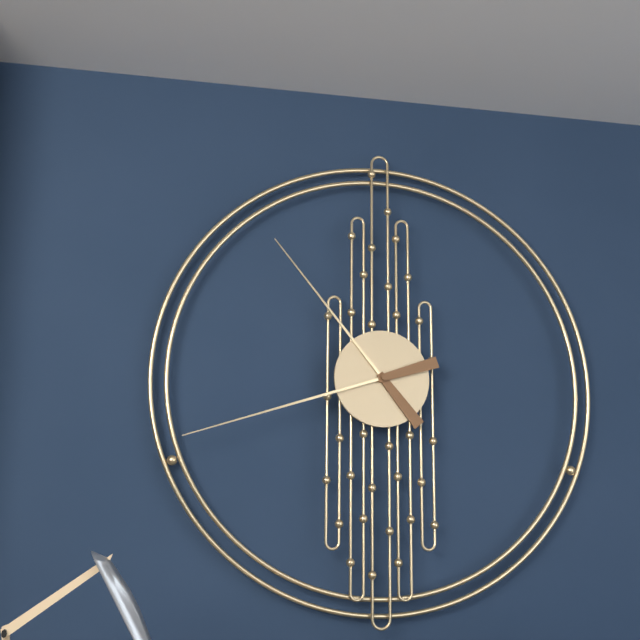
{"hour": 10, "minute": 42}
